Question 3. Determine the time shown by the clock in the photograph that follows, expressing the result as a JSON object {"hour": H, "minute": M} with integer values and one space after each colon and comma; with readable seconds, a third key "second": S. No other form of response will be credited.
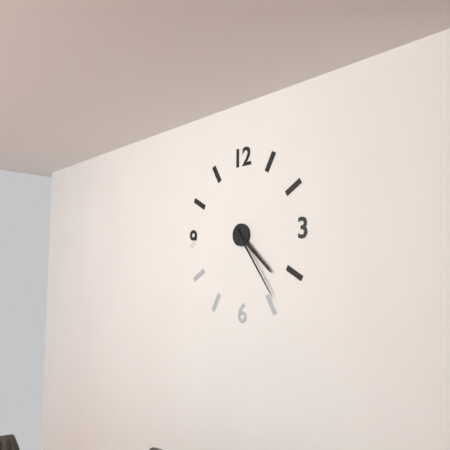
{"hour": 4, "minute": 24}
